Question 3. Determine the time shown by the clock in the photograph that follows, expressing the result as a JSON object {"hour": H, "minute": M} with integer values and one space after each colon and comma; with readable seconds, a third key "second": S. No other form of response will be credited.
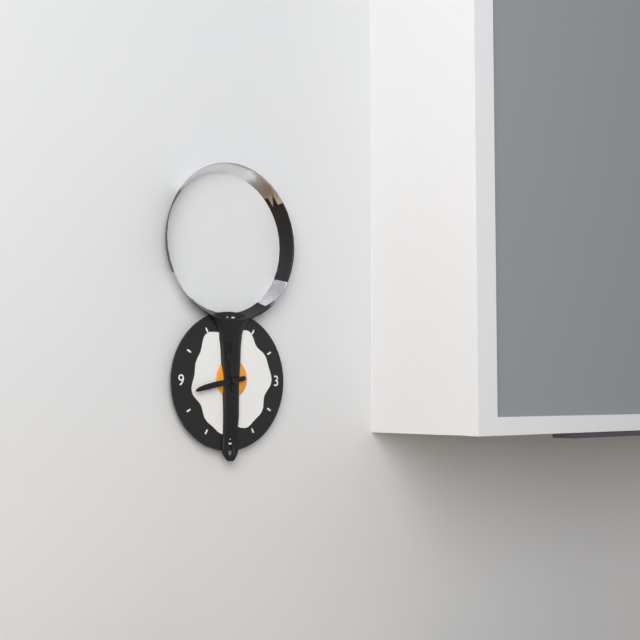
{"hour": 11, "minute": 43}
